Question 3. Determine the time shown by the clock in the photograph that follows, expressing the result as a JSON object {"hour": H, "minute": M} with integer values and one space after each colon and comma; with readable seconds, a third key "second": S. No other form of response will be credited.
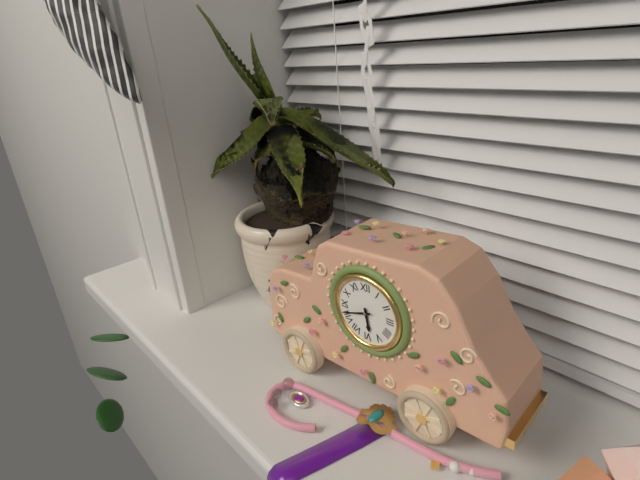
{"hour": 5, "minute": 42}
